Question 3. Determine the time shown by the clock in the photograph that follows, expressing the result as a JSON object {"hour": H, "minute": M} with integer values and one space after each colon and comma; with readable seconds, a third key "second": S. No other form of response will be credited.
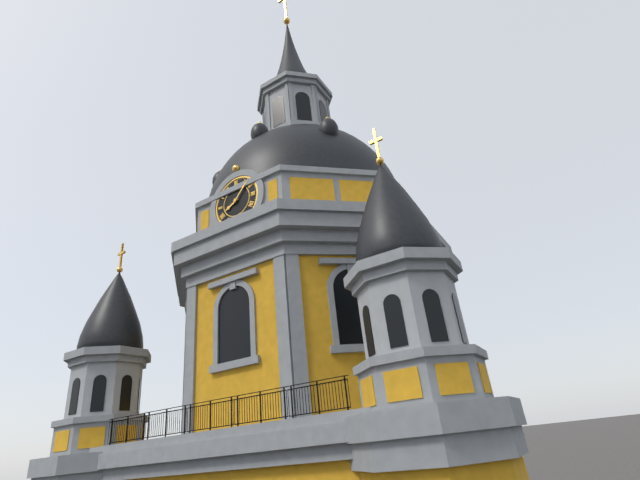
{"hour": 8, "minute": 7}
